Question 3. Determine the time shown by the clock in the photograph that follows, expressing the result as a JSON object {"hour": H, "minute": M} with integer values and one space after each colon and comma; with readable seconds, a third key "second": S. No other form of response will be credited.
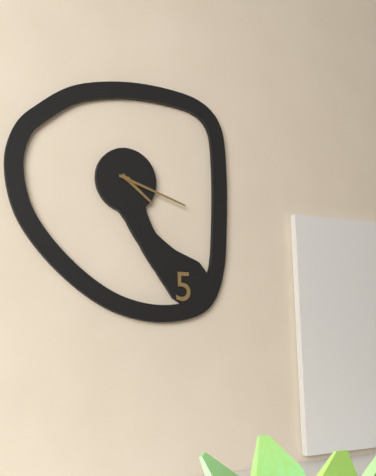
{"hour": 4, "minute": 18}
